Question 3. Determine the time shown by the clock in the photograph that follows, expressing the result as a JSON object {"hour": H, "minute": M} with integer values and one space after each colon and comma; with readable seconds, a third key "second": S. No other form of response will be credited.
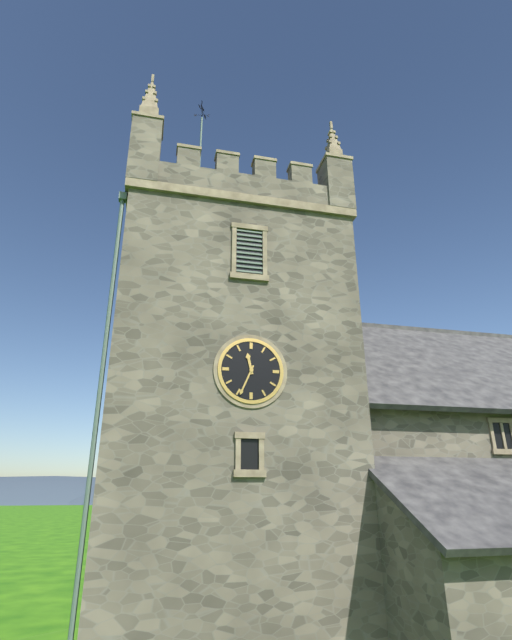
{"hour": 11, "minute": 34}
